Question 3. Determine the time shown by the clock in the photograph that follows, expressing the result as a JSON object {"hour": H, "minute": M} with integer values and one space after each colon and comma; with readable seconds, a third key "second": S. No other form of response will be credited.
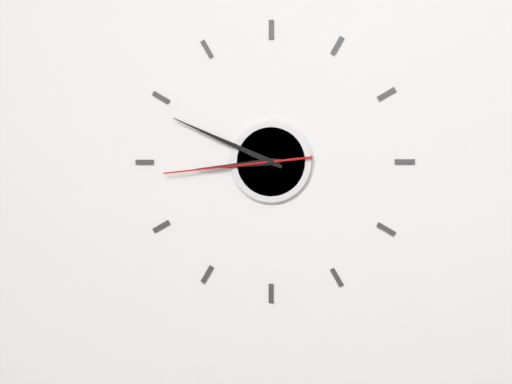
{"hour": 8, "minute": 49, "second": 44}
